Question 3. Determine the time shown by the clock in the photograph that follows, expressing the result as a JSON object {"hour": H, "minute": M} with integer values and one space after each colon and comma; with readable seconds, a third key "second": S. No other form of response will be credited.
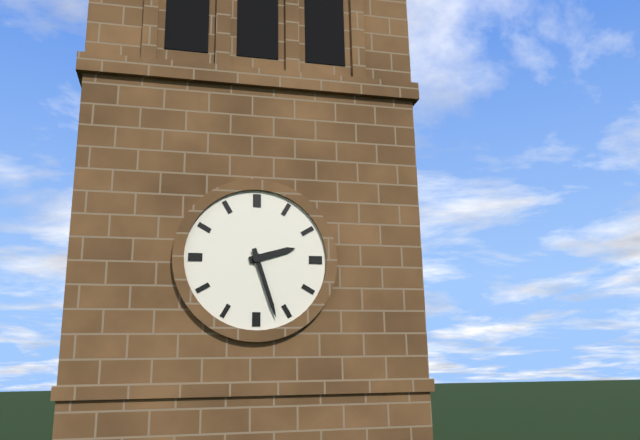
{"hour": 2, "minute": 27}
